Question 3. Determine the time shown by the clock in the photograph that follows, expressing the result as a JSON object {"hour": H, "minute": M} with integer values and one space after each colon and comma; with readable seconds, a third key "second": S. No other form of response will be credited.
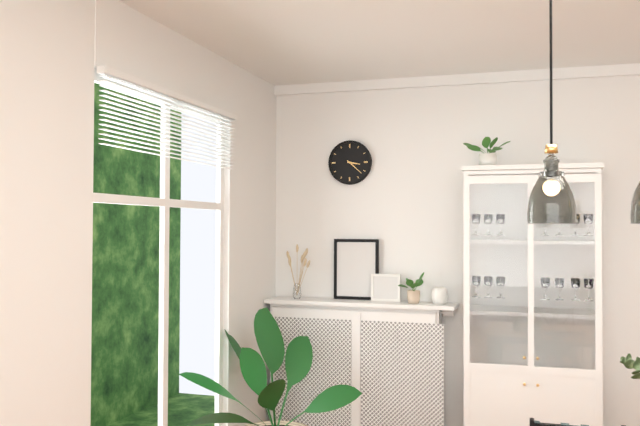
{"hour": 3, "minute": 22}
